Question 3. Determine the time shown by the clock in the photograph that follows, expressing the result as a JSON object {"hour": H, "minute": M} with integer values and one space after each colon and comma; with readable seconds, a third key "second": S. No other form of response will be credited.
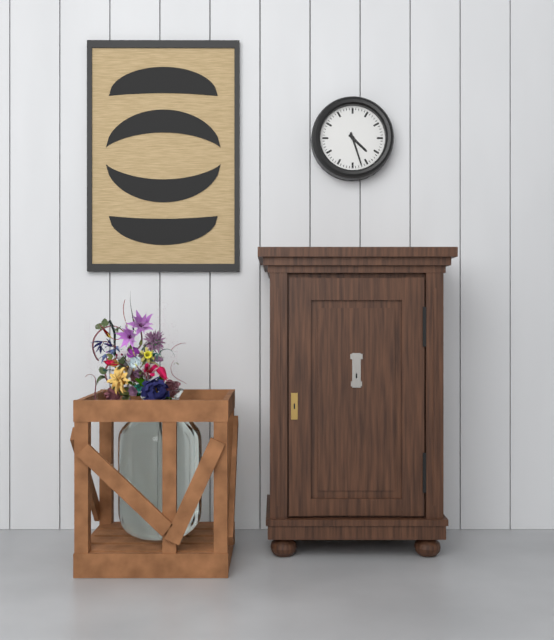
{"hour": 4, "minute": 27}
